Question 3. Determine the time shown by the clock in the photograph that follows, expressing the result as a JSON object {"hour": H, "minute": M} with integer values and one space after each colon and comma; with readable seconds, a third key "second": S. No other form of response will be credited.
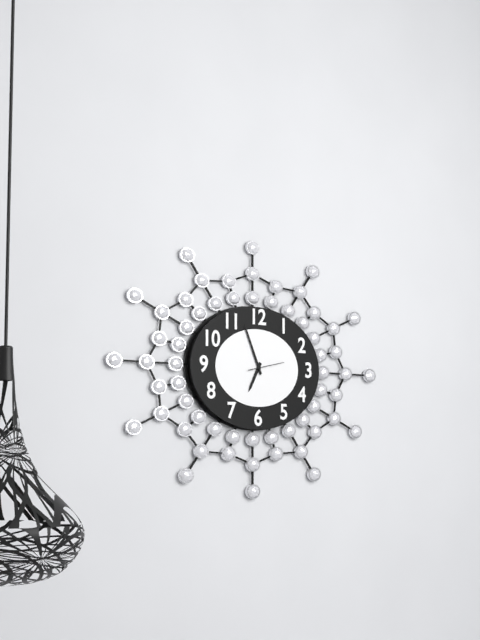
{"hour": 6, "minute": 56}
